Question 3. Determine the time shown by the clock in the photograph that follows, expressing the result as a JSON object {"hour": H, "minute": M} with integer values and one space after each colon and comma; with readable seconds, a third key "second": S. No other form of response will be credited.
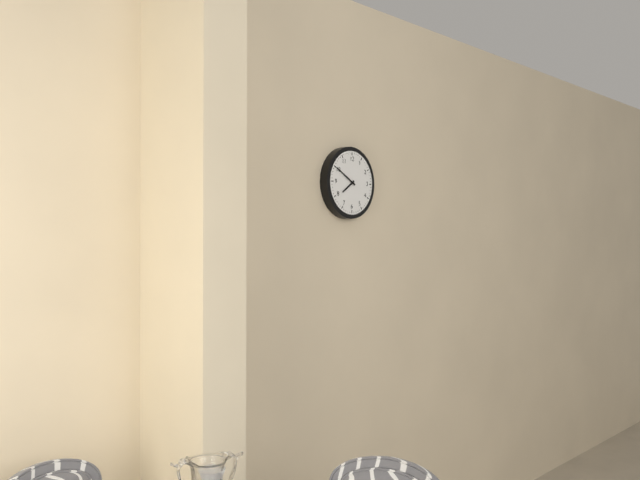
{"hour": 7, "minute": 50}
